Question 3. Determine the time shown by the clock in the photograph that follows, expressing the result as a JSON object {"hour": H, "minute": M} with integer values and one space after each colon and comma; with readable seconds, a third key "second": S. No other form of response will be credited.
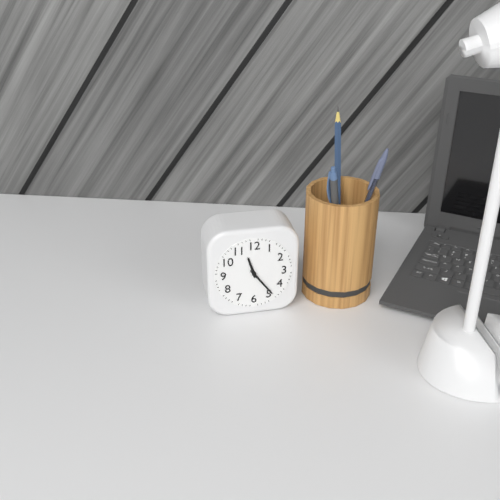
{"hour": 11, "minute": 24}
